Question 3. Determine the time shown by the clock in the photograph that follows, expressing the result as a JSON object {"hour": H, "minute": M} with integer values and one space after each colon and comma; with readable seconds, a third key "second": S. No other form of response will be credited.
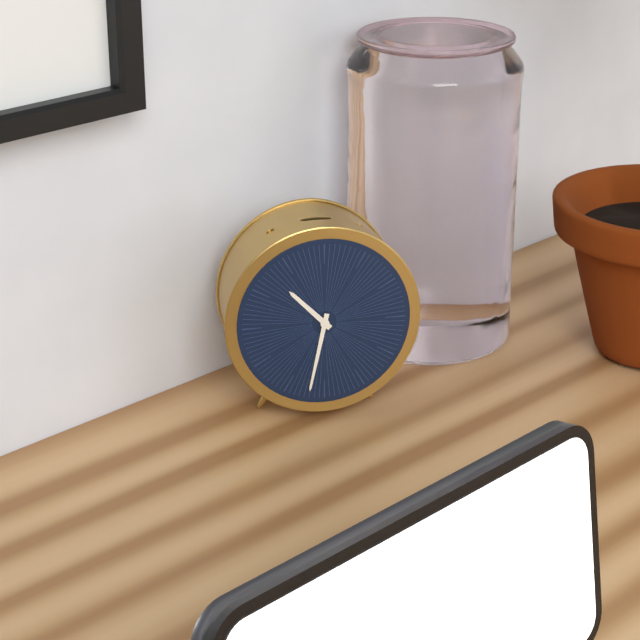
{"hour": 10, "minute": 32}
